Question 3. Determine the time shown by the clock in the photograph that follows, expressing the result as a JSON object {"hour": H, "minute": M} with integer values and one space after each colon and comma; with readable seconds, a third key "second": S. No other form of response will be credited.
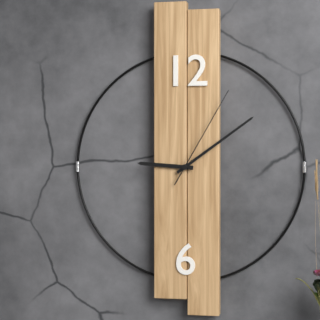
{"hour": 9, "minute": 9, "second": 5}
